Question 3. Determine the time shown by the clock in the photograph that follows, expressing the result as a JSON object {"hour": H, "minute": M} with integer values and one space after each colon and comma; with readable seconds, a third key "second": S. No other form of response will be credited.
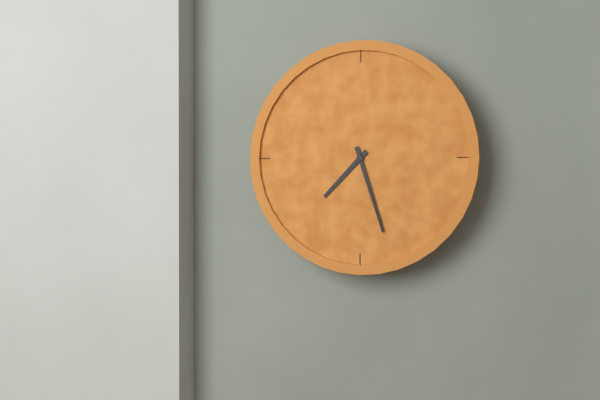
{"hour": 7, "minute": 27}
